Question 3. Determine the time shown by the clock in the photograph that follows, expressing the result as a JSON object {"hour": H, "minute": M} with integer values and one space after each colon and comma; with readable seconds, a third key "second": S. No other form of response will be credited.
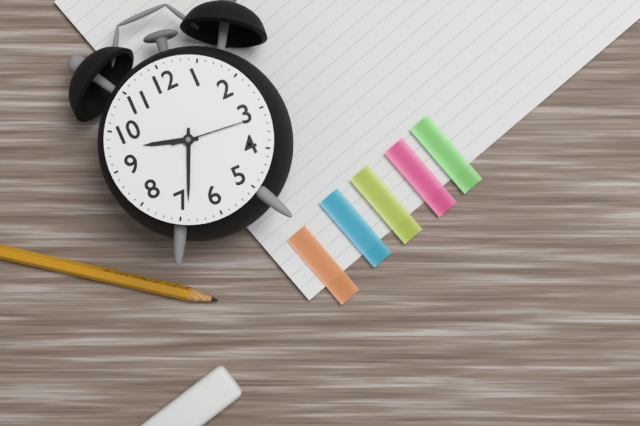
{"hour": 9, "minute": 34, "second": 16}
